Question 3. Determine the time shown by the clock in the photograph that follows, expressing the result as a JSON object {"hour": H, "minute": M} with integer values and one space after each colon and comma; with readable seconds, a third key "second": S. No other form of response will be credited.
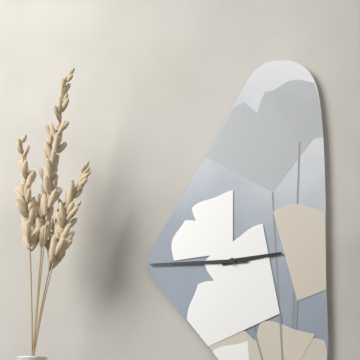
{"hour": 2, "minute": 45}
